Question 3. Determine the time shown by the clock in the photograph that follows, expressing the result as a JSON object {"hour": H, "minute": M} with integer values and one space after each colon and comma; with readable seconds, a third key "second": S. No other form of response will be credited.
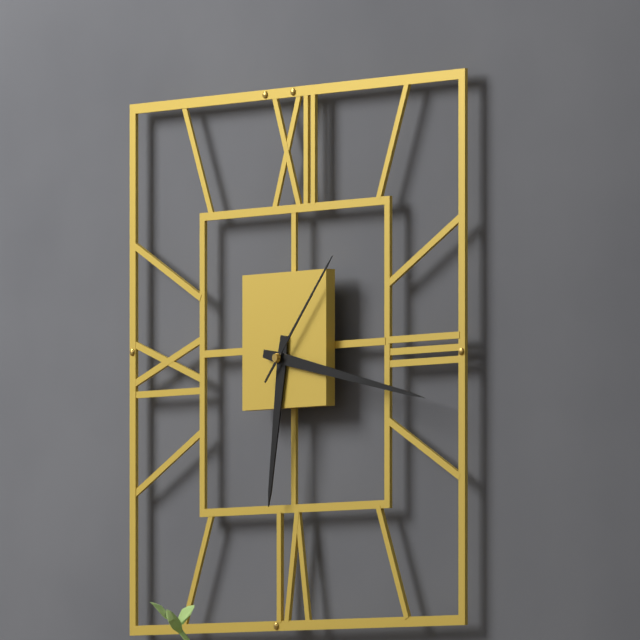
{"hour": 6, "minute": 17, "second": 7}
